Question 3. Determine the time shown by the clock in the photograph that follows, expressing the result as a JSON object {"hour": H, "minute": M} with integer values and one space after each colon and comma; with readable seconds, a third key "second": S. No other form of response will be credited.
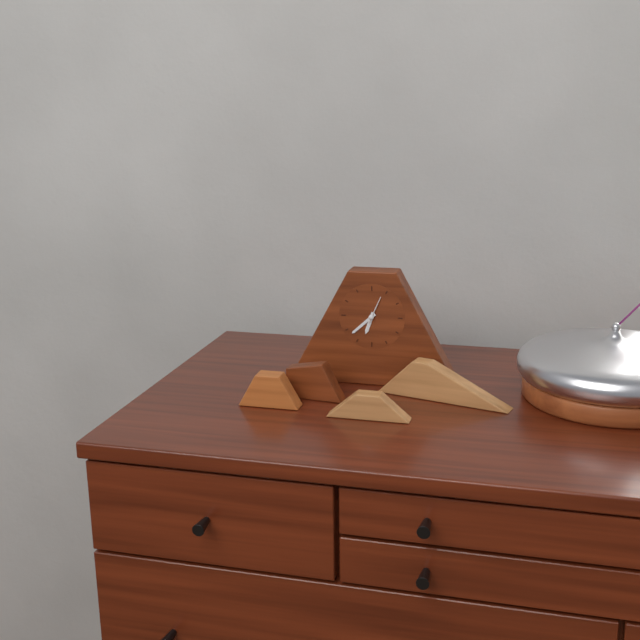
{"hour": 6, "minute": 38}
